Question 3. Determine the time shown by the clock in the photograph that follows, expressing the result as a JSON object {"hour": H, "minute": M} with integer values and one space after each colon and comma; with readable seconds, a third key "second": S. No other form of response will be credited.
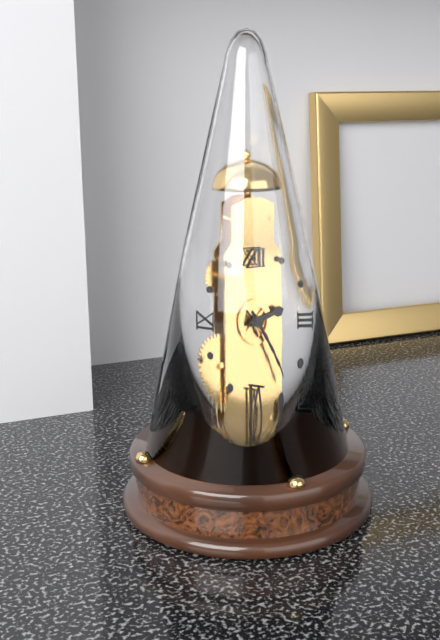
{"hour": 2, "minute": 24}
